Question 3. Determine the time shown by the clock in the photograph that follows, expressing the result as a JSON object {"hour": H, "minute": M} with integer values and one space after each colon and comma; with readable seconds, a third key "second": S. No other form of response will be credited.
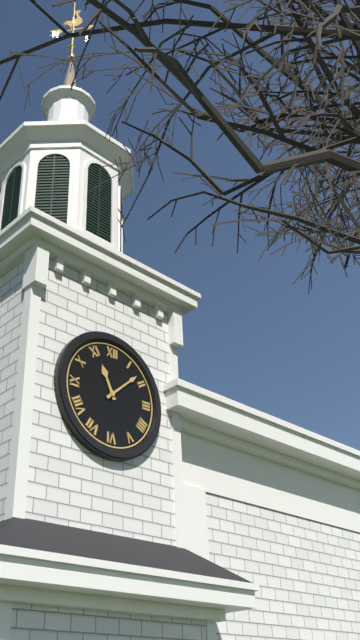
{"hour": 11, "minute": 8}
